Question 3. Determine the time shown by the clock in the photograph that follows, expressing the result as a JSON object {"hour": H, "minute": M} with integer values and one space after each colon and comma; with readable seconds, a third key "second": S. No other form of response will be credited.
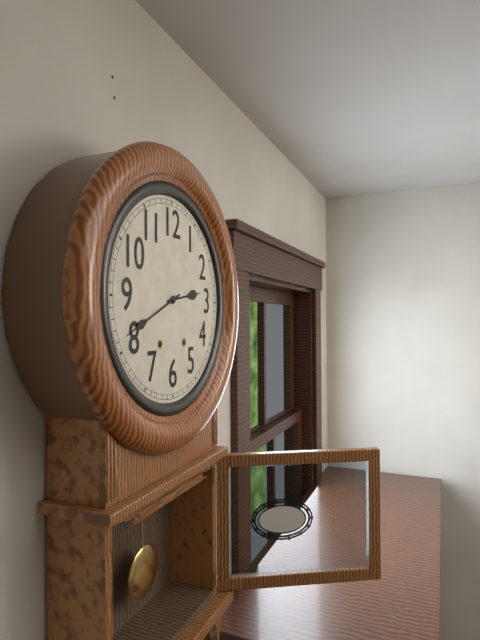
{"hour": 2, "minute": 41}
